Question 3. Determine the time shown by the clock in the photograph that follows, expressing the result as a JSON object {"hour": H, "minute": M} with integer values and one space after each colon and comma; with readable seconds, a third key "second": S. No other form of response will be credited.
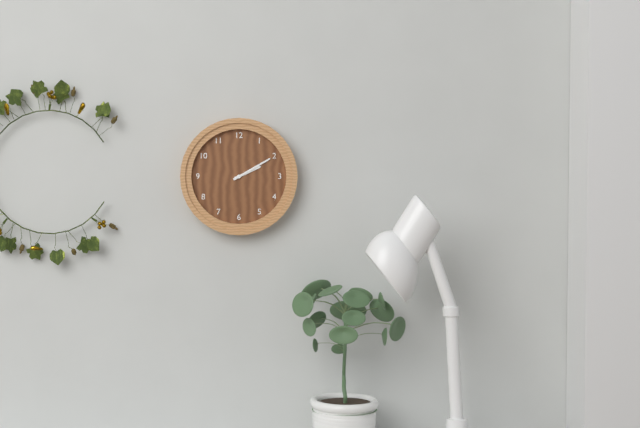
{"hour": 2, "minute": 10}
